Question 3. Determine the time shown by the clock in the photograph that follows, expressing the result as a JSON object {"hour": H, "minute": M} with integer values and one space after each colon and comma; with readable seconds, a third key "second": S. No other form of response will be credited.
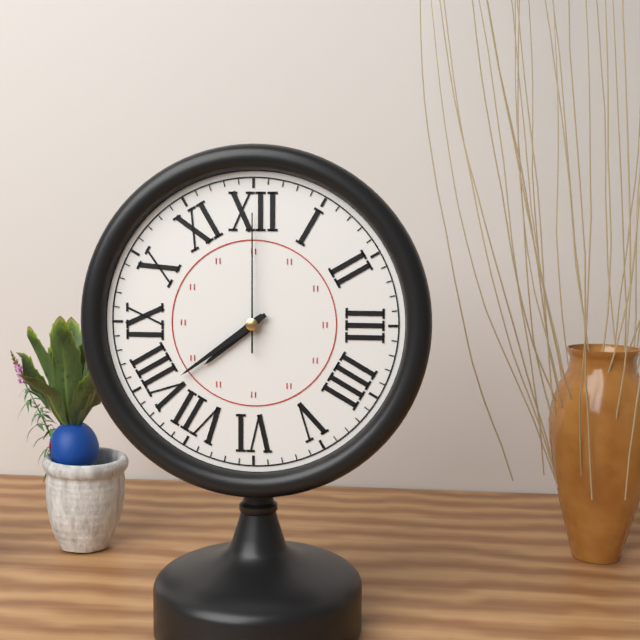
{"hour": 7, "minute": 39, "second": 0}
